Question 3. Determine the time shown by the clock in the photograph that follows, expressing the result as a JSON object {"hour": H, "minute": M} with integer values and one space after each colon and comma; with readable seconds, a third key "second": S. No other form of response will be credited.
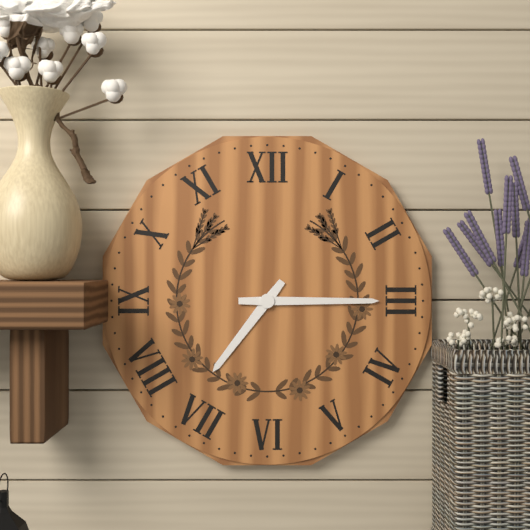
{"hour": 7, "minute": 15}
